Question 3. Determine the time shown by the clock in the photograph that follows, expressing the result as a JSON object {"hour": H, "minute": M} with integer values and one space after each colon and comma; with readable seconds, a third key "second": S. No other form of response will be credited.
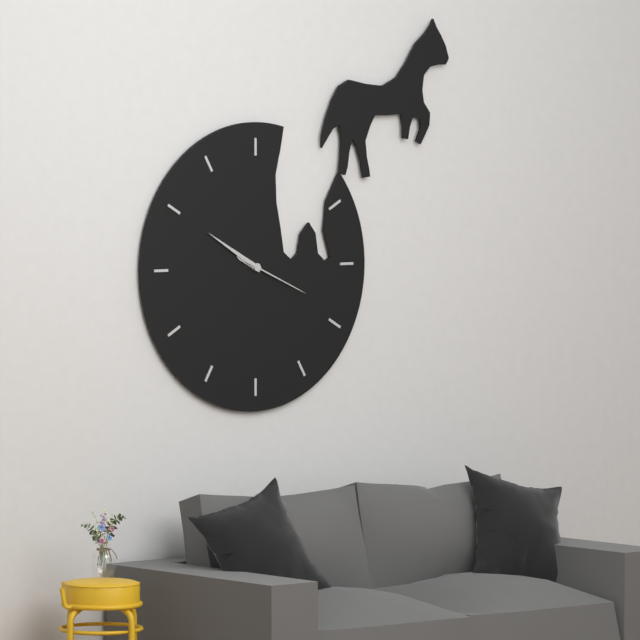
{"hour": 9, "minute": 50, "second": 19}
